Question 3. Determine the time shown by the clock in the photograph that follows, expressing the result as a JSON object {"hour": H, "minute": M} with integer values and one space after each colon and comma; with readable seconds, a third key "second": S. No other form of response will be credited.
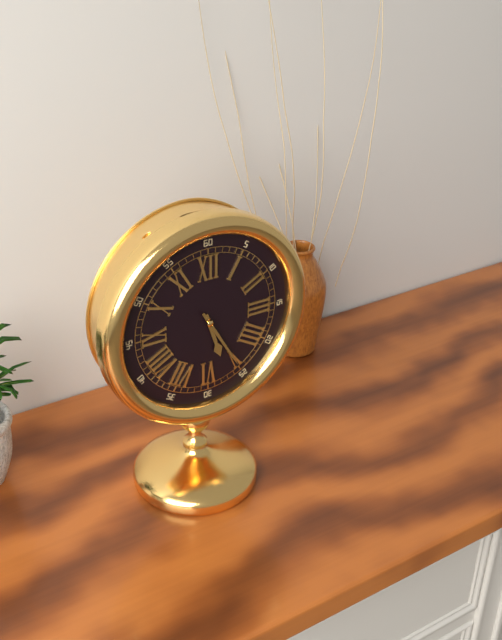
{"hour": 5, "minute": 25}
